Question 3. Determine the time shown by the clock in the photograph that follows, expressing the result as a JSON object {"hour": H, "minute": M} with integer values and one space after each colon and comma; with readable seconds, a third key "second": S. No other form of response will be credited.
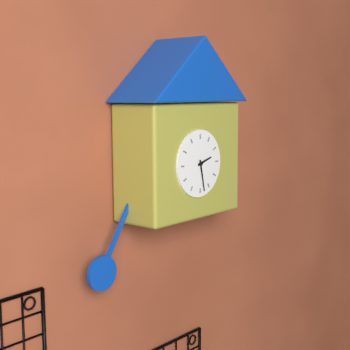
{"hour": 2, "minute": 28}
